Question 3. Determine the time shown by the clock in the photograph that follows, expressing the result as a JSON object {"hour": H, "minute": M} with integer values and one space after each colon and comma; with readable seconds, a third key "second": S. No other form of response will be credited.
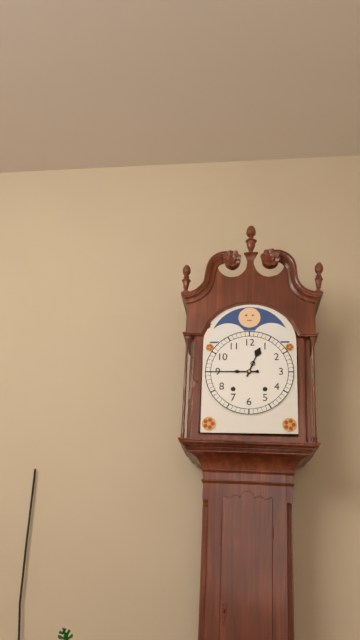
{"hour": 12, "minute": 45}
